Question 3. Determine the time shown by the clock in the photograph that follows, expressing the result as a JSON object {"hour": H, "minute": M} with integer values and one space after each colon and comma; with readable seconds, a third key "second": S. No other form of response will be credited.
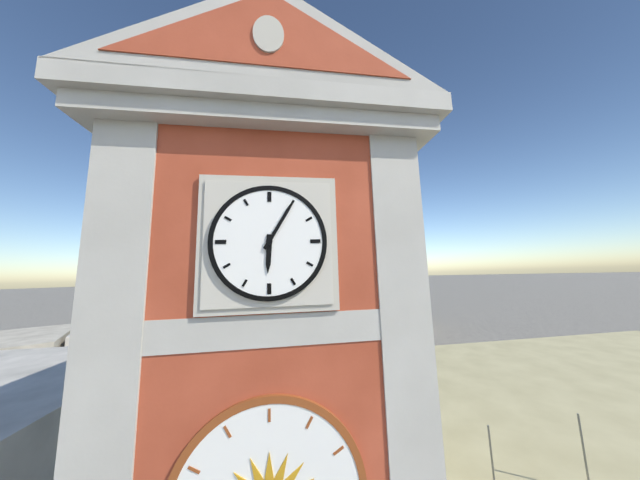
{"hour": 6, "minute": 5}
